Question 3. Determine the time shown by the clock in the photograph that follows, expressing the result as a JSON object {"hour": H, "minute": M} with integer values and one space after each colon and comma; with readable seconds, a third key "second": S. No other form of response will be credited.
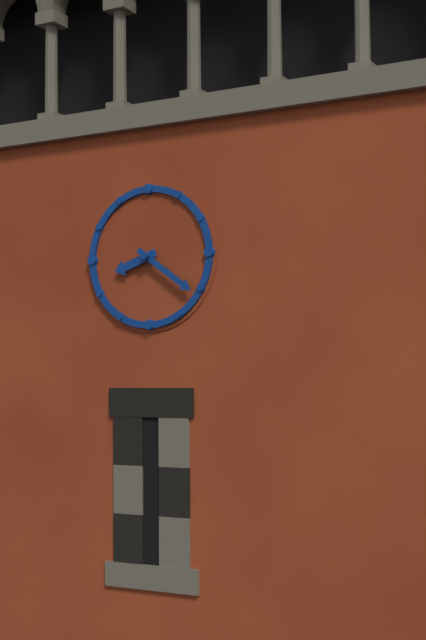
{"hour": 8, "minute": 21}
